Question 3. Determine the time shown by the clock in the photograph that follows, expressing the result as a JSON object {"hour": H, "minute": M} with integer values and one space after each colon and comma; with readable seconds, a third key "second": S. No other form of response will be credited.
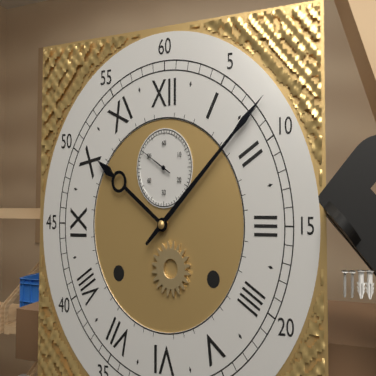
{"hour": 10, "minute": 8}
